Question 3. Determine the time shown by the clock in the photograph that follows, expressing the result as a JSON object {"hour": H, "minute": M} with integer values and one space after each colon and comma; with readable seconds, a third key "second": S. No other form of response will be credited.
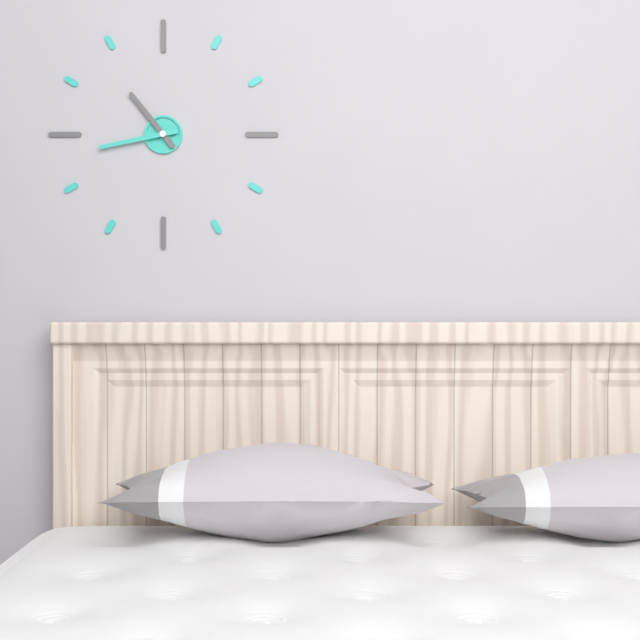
{"hour": 10, "minute": 43}
